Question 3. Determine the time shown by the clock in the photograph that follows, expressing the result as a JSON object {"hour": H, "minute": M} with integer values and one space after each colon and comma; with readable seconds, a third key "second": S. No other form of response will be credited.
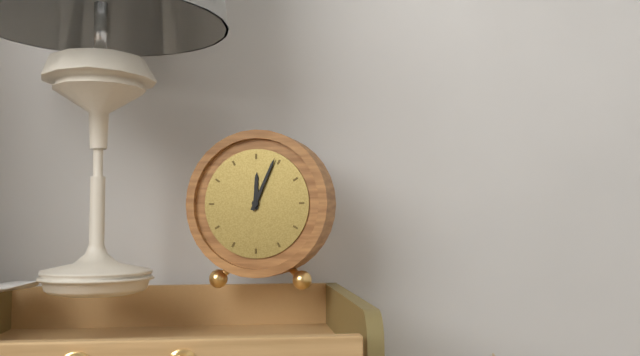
{"hour": 12, "minute": 4}
